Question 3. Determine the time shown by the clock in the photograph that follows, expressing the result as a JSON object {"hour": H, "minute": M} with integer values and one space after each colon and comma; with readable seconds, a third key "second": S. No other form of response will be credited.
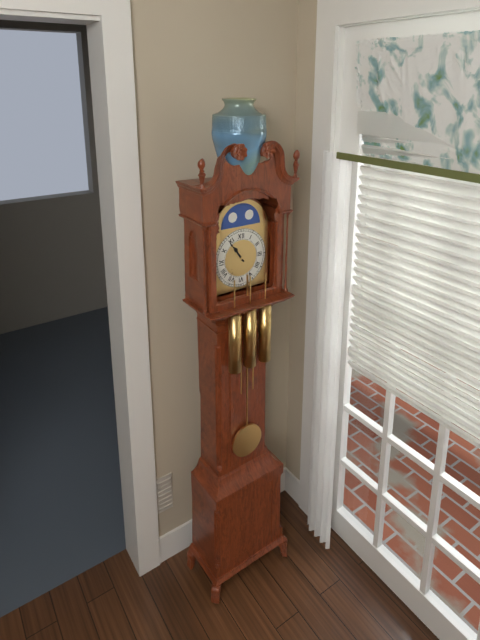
{"hour": 10, "minute": 54}
